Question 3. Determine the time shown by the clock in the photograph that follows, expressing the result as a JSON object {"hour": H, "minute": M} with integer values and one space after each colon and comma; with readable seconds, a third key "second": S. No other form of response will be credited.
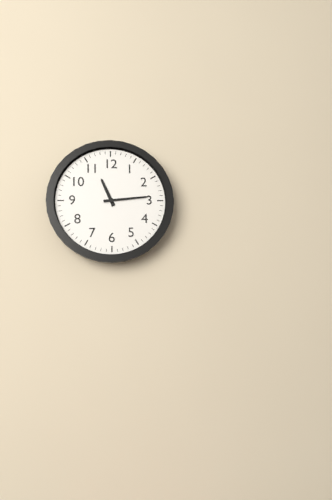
{"hour": 11, "minute": 14}
